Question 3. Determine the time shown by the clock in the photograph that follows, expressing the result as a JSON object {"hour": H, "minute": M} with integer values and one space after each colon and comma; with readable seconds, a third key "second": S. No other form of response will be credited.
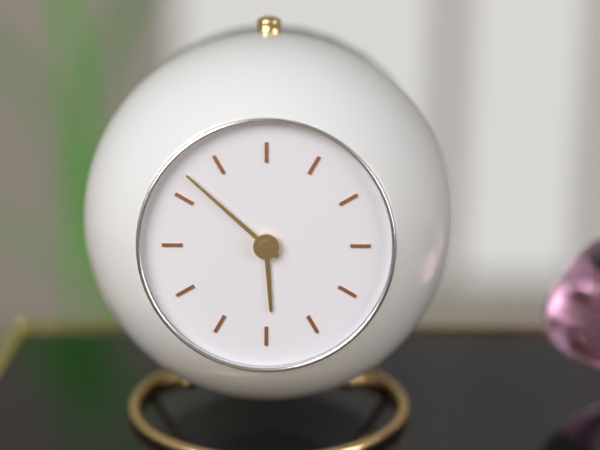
{"hour": 5, "minute": 52}
